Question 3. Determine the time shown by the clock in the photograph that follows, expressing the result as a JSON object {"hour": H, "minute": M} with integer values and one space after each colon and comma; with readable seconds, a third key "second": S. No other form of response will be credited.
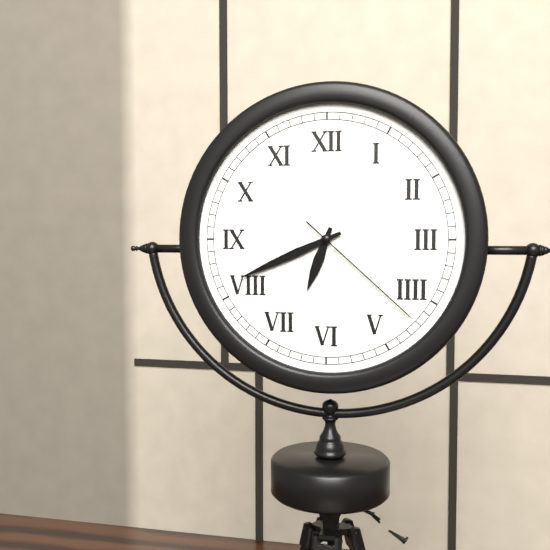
{"hour": 6, "minute": 41, "second": 22}
